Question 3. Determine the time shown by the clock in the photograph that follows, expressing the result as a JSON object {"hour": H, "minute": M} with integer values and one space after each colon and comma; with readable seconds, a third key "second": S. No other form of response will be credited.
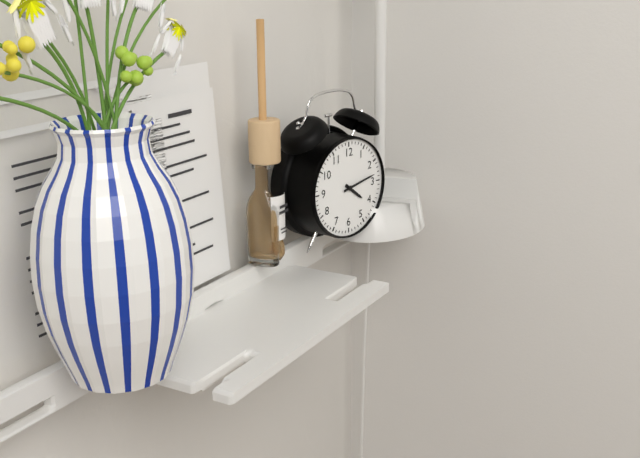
{"hour": 4, "minute": 13}
